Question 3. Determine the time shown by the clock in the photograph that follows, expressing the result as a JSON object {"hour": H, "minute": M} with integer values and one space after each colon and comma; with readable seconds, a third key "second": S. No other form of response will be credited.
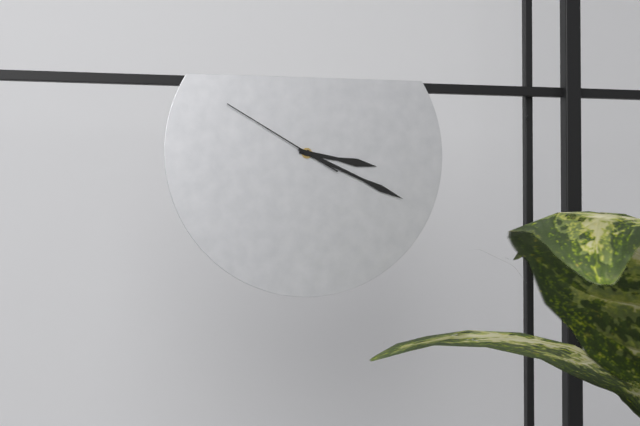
{"hour": 3, "minute": 19, "second": 50}
